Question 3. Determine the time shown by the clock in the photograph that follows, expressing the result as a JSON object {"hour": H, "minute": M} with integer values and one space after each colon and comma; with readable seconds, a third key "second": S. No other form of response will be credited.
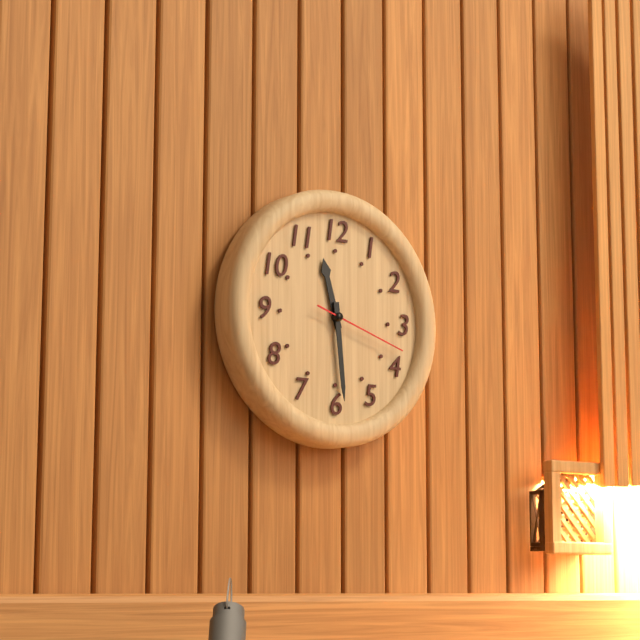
{"hour": 11, "minute": 29, "second": 18}
